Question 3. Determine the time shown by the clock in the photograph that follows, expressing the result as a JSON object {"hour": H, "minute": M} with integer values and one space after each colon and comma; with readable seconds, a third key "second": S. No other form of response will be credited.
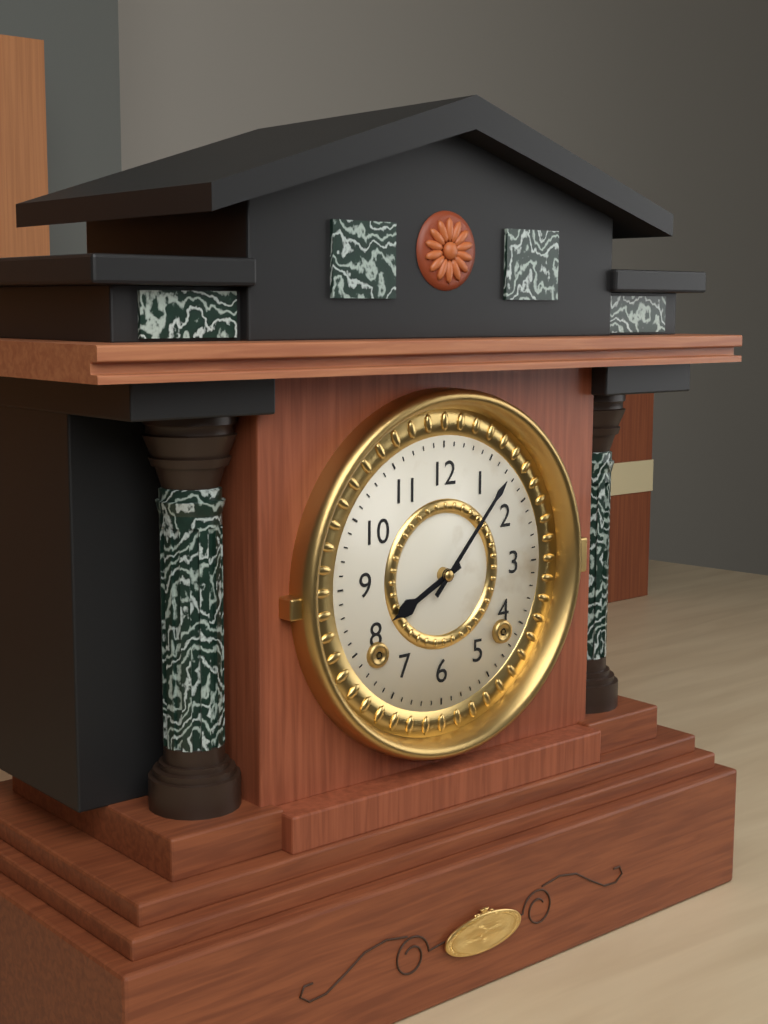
{"hour": 8, "minute": 7}
